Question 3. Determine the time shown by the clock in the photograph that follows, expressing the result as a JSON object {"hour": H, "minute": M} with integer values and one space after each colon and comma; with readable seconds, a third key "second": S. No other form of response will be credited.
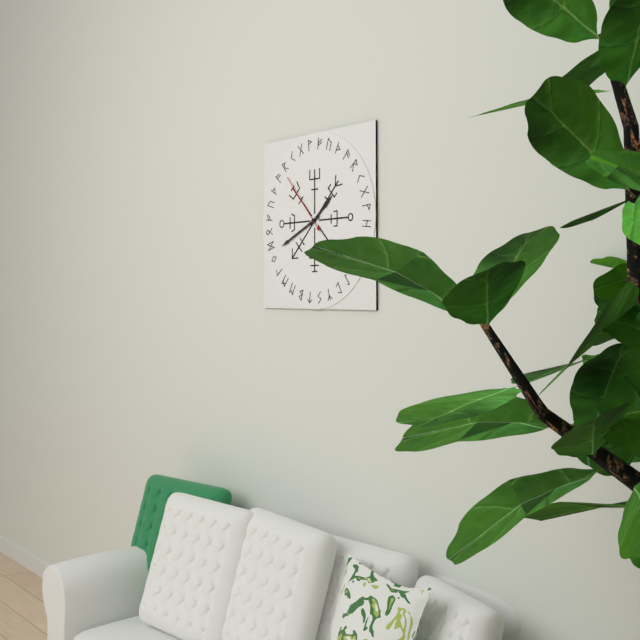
{"hour": 1, "minute": 41, "second": 53}
